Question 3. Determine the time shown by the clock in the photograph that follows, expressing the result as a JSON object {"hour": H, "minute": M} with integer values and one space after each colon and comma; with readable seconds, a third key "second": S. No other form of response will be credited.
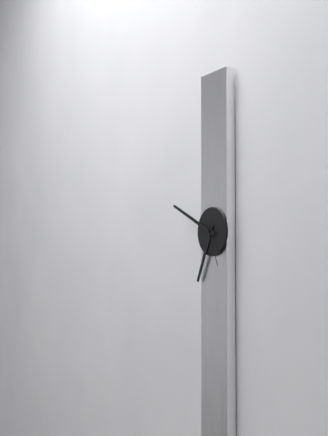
{"hour": 6, "minute": 49}
